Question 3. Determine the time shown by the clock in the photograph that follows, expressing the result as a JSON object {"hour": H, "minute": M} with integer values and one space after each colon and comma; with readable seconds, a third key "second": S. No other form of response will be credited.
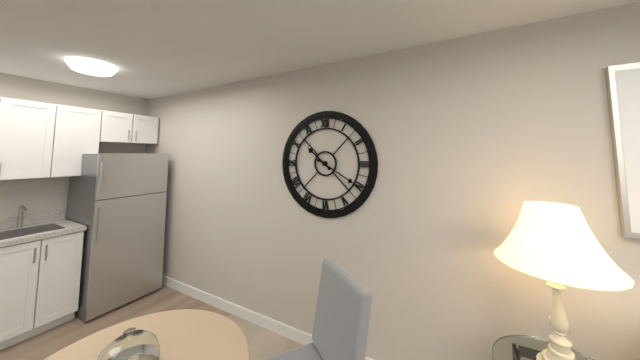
{"hour": 10, "minute": 20}
